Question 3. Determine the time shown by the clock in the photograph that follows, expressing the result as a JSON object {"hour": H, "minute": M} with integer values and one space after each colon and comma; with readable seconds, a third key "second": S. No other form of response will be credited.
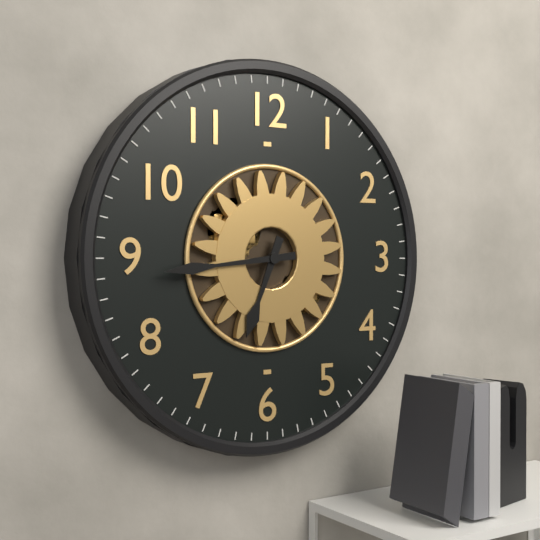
{"hour": 6, "minute": 44}
